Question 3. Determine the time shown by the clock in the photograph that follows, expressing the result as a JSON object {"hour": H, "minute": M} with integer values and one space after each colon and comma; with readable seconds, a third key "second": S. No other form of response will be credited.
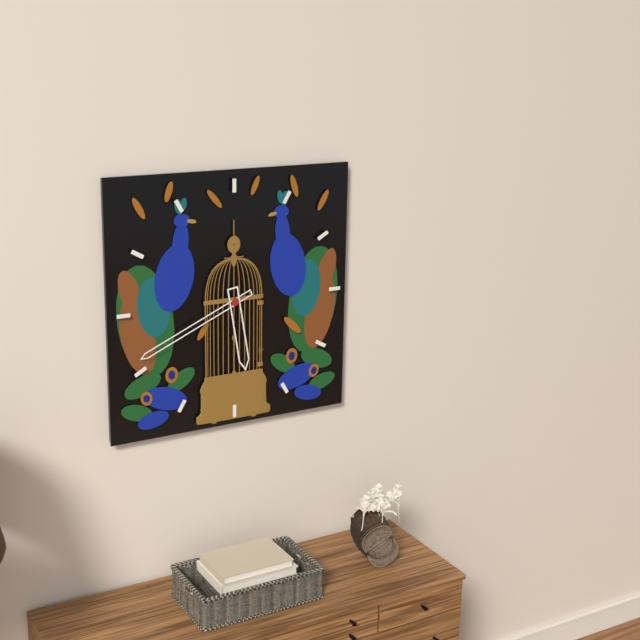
{"hour": 5, "minute": 41}
